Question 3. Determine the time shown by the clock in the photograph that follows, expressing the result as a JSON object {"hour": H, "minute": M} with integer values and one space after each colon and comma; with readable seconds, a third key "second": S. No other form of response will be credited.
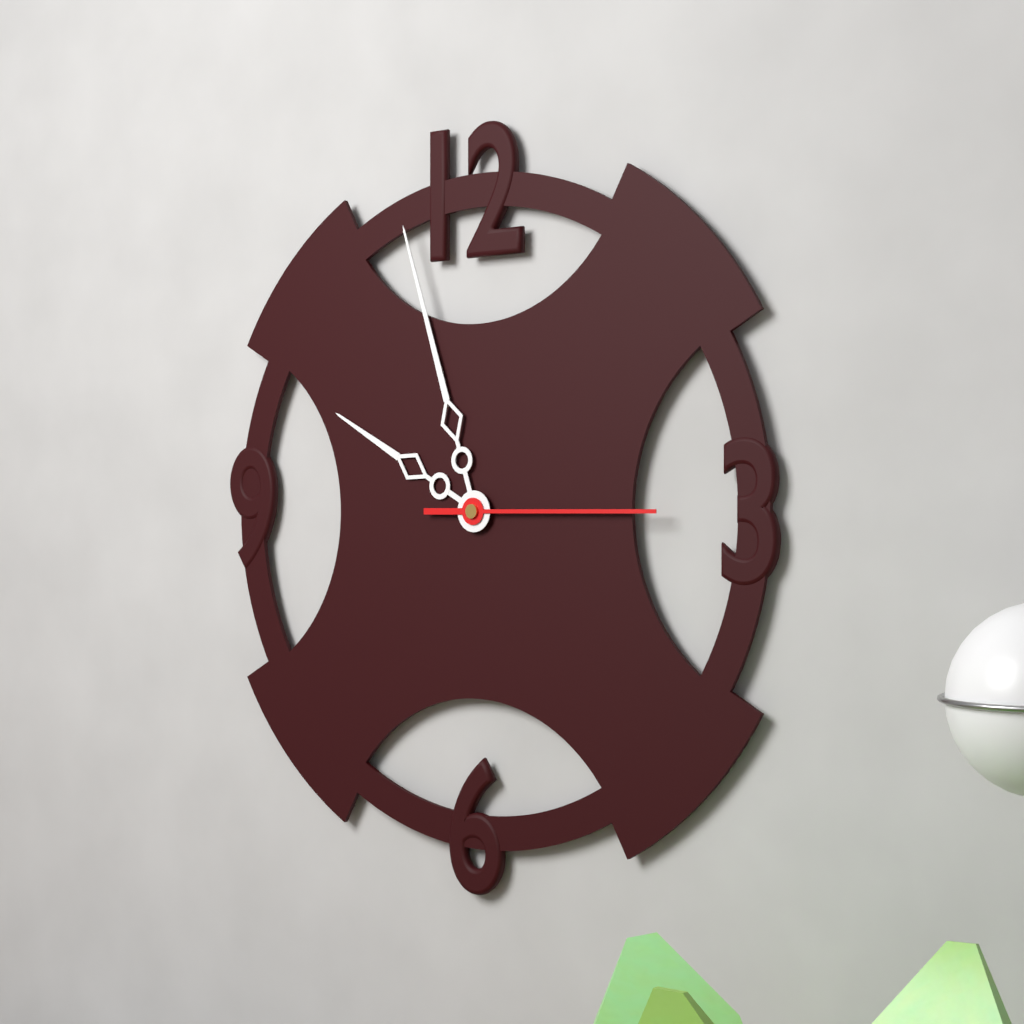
{"hour": 9, "minute": 57, "second": 15}
